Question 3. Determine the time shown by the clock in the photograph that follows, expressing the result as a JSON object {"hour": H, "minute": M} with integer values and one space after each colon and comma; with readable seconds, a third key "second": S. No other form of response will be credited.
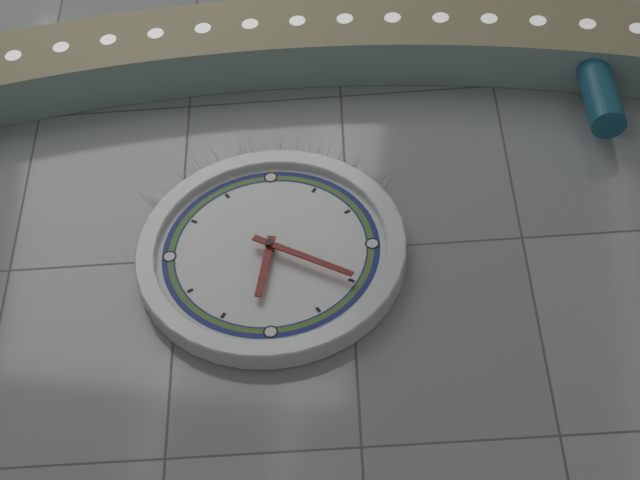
{"hour": 6, "minute": 20}
